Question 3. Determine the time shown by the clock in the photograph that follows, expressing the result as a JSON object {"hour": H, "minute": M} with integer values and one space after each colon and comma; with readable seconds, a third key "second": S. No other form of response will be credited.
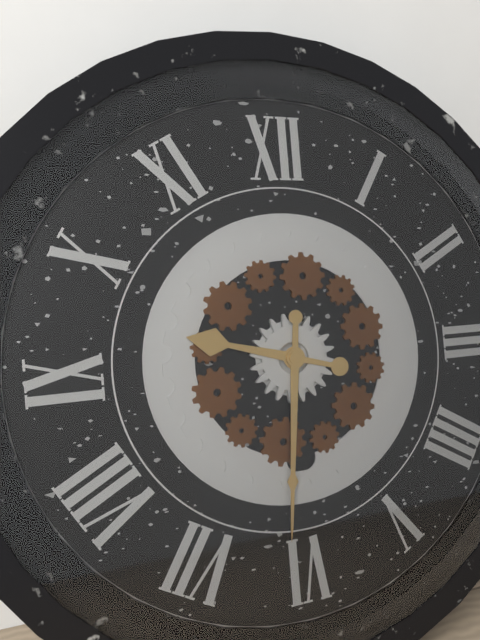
{"hour": 9, "minute": 31}
